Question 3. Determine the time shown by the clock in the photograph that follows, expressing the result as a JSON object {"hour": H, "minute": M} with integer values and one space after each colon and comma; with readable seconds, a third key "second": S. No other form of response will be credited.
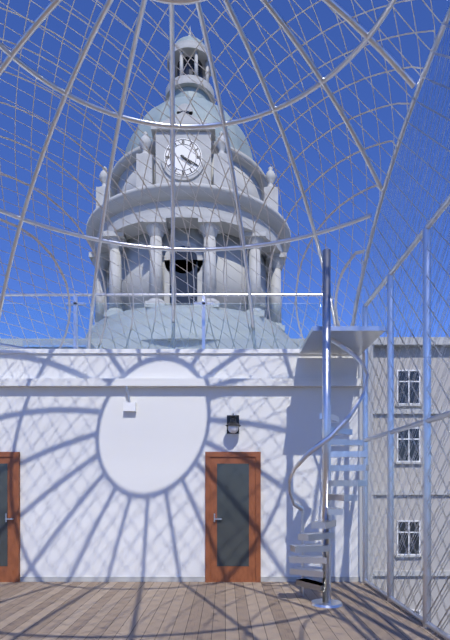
{"hour": 4, "minute": 20}
